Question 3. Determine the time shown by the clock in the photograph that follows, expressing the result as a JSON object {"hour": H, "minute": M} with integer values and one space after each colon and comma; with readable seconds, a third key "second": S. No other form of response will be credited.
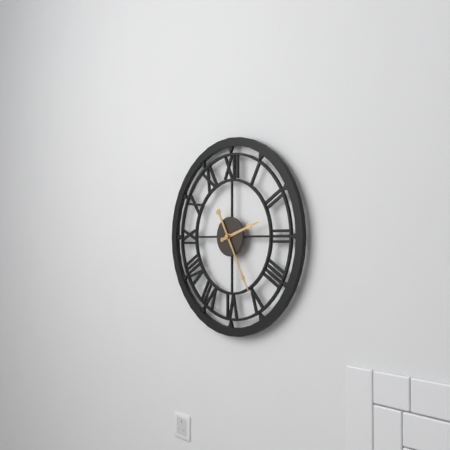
{"hour": 2, "minute": 25}
